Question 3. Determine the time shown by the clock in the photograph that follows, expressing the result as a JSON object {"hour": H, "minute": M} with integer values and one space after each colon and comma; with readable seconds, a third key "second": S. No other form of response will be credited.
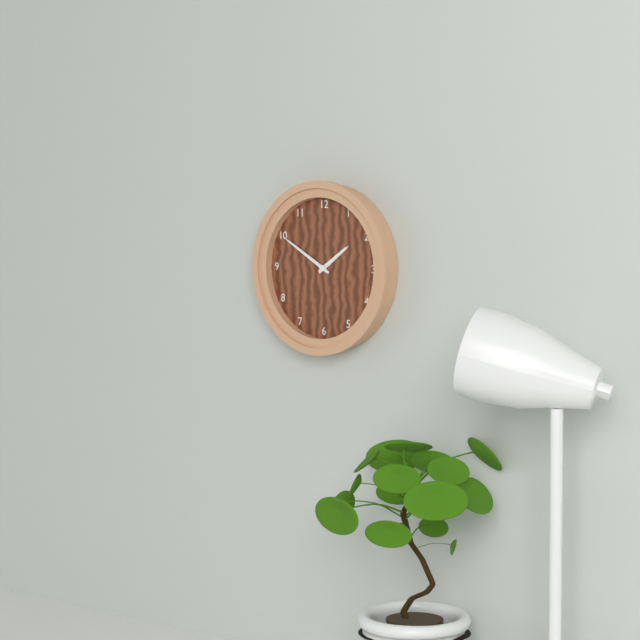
{"hour": 1, "minute": 50}
